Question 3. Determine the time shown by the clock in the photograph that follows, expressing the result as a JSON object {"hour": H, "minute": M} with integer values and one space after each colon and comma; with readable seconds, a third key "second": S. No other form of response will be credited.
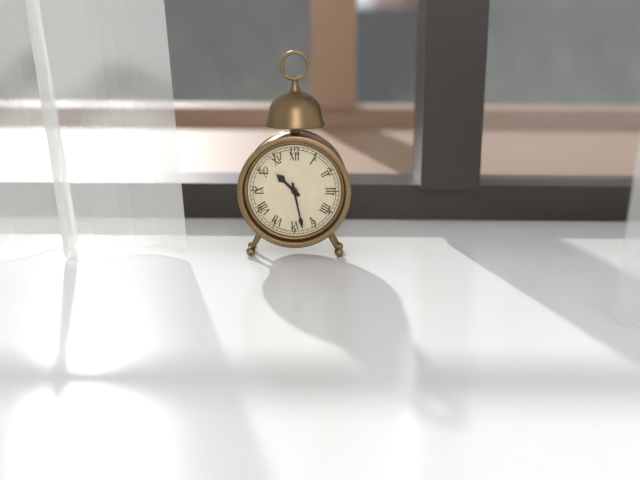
{"hour": 10, "minute": 28}
